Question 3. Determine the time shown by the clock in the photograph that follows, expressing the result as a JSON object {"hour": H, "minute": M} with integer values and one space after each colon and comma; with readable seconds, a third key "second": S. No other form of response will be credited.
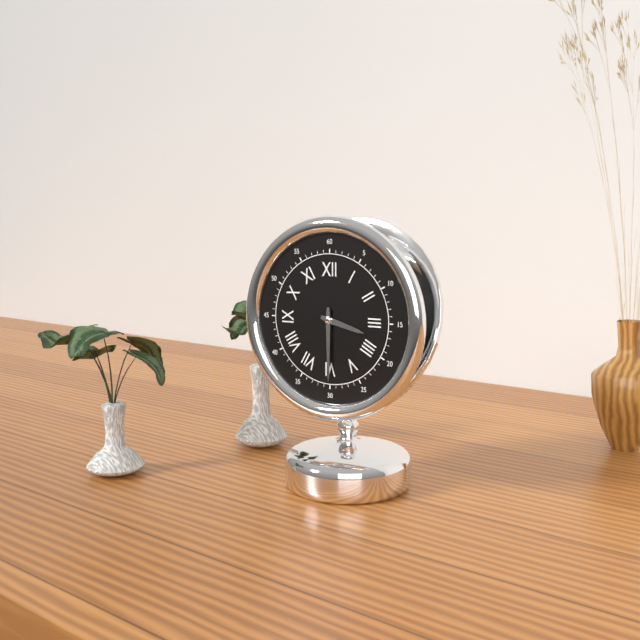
{"hour": 3, "minute": 30}
